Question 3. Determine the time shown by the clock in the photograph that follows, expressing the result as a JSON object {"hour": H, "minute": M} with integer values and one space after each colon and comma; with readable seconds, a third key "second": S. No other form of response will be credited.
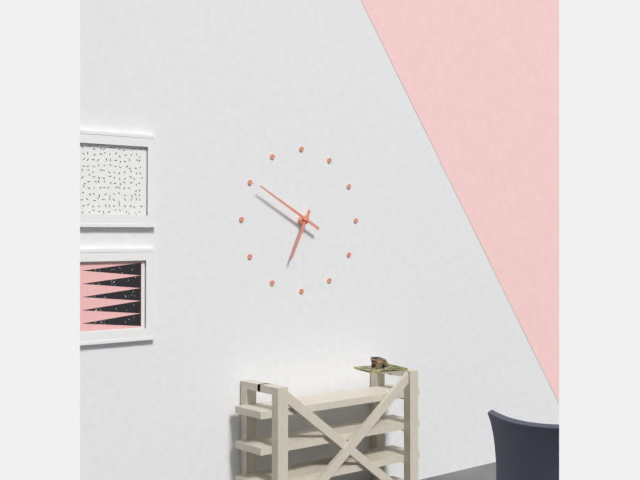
{"hour": 6, "minute": 50}
